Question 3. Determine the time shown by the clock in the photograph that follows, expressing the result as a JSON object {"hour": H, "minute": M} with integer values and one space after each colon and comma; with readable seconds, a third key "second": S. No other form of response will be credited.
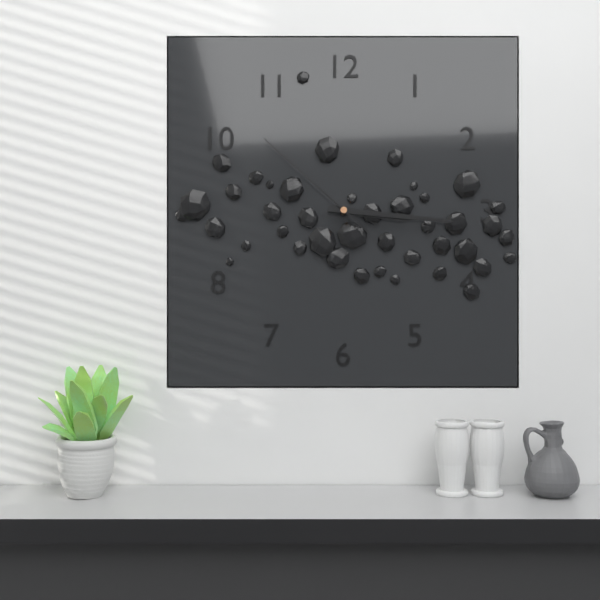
{"hour": 3, "minute": 16, "second": 52}
